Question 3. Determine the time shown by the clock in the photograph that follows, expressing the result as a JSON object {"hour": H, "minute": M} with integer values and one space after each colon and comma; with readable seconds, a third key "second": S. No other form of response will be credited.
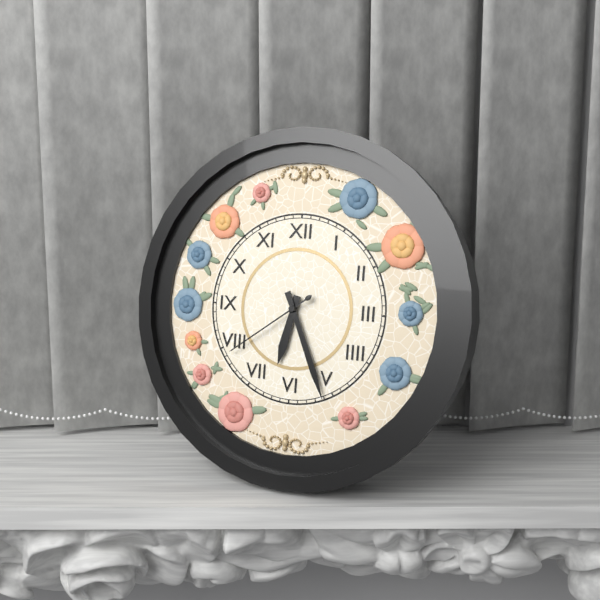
{"hour": 6, "minute": 26, "second": 39}
